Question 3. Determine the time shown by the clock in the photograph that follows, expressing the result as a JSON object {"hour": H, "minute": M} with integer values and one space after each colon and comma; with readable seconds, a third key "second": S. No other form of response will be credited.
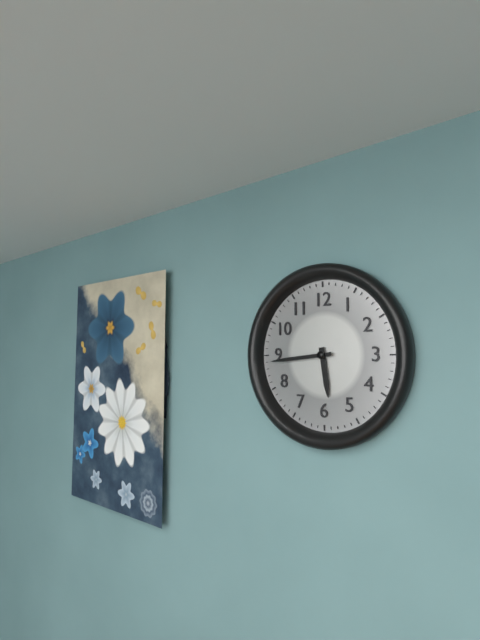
{"hour": 5, "minute": 44}
